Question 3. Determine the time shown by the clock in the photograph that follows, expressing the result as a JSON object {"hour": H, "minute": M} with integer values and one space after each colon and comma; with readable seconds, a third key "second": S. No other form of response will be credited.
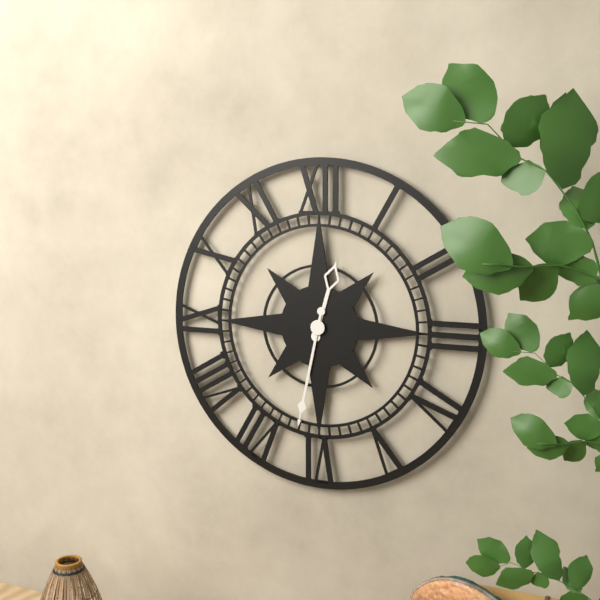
{"hour": 12, "minute": 32}
